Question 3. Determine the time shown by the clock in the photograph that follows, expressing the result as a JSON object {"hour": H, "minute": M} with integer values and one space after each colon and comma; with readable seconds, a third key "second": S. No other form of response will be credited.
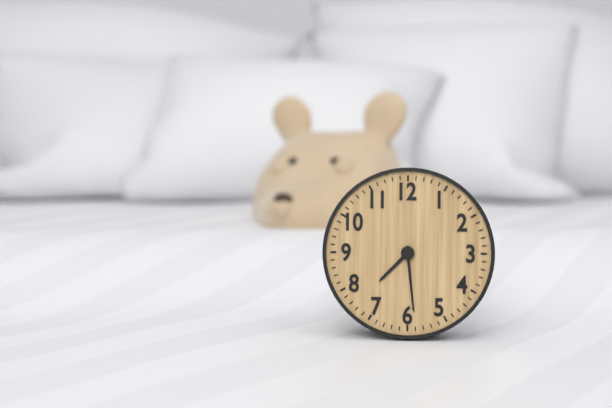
{"hour": 7, "minute": 29}
